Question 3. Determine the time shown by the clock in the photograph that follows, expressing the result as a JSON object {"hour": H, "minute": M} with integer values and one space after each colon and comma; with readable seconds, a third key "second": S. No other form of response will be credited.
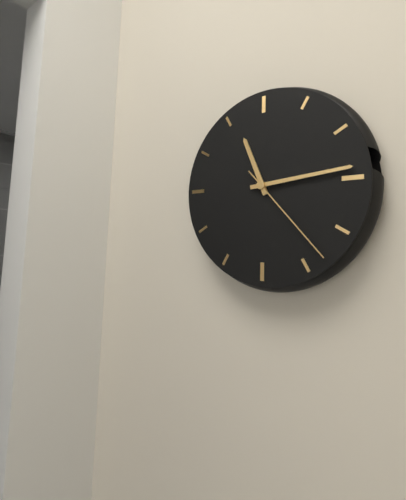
{"hour": 11, "minute": 14, "second": 23}
